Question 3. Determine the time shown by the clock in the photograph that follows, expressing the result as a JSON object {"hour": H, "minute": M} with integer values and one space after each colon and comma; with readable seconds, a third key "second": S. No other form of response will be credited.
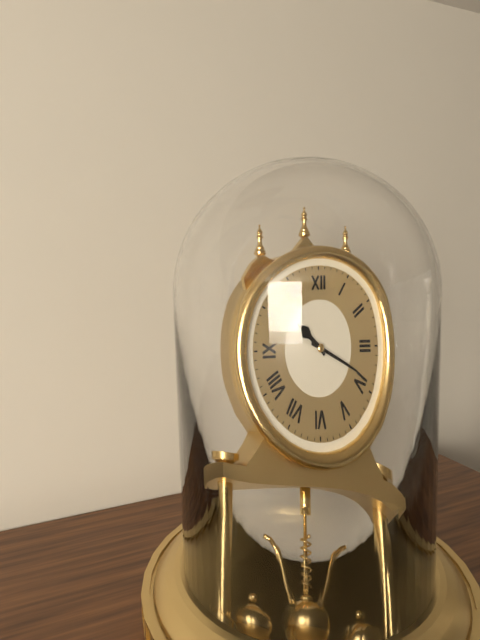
{"hour": 10, "minute": 19}
